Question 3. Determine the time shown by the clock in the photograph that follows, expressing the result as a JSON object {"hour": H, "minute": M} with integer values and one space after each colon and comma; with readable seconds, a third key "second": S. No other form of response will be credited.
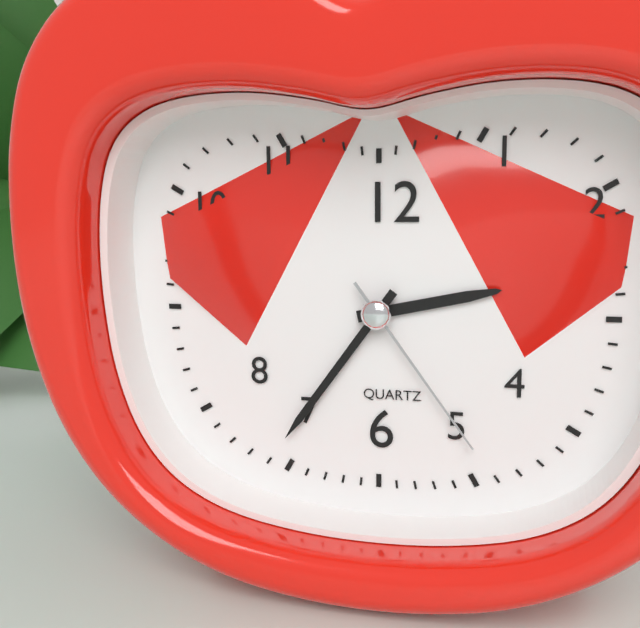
{"hour": 2, "minute": 36, "second": 24}
